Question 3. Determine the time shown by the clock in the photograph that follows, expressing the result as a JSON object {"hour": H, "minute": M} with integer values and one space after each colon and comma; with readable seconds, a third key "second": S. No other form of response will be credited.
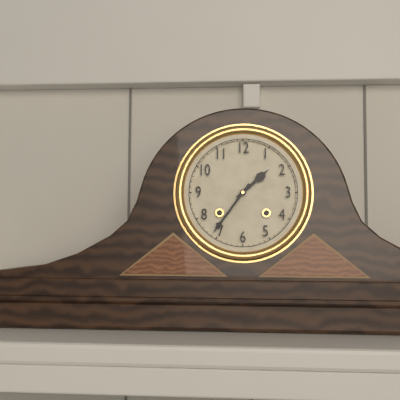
{"hour": 1, "minute": 36}
